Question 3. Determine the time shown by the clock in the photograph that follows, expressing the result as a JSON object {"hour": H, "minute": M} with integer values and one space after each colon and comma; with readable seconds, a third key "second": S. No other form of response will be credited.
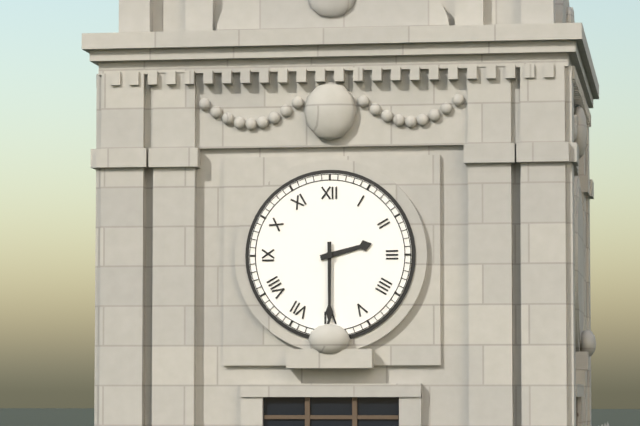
{"hour": 2, "minute": 30}
